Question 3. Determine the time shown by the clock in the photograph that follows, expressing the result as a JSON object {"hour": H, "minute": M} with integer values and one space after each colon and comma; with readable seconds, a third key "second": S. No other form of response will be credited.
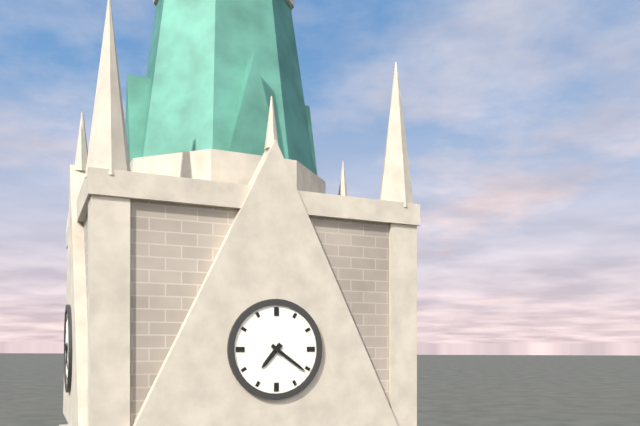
{"hour": 7, "minute": 21}
